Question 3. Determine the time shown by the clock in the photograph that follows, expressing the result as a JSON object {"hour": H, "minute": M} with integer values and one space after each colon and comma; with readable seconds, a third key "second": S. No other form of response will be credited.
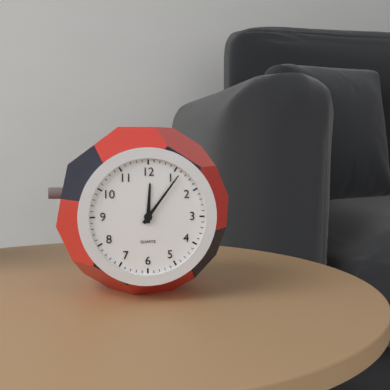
{"hour": 12, "minute": 6}
